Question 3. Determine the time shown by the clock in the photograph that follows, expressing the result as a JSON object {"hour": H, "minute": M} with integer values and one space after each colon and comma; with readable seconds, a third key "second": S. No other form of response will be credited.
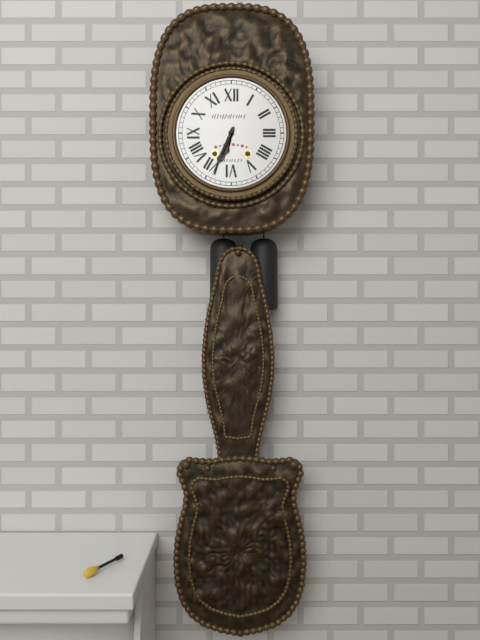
{"hour": 6, "minute": 34}
